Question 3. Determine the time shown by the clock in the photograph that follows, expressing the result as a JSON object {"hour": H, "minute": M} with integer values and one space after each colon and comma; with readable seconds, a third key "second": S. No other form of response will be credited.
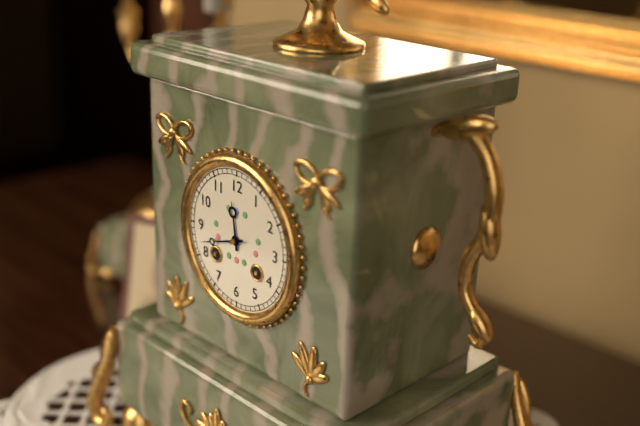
{"hour": 11, "minute": 42}
